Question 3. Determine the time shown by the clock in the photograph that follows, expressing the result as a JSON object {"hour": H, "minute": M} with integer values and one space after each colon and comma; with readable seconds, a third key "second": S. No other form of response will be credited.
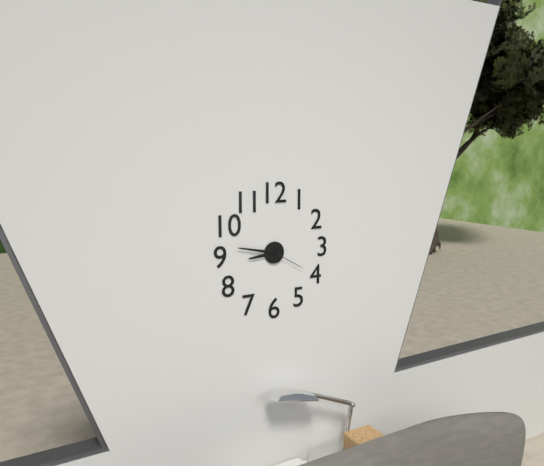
{"hour": 8, "minute": 47}
